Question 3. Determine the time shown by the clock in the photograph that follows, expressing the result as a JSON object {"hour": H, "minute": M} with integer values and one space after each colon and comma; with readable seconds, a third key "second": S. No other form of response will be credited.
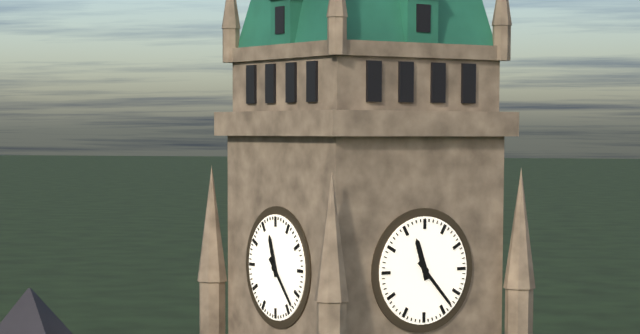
{"hour": 11, "minute": 23}
